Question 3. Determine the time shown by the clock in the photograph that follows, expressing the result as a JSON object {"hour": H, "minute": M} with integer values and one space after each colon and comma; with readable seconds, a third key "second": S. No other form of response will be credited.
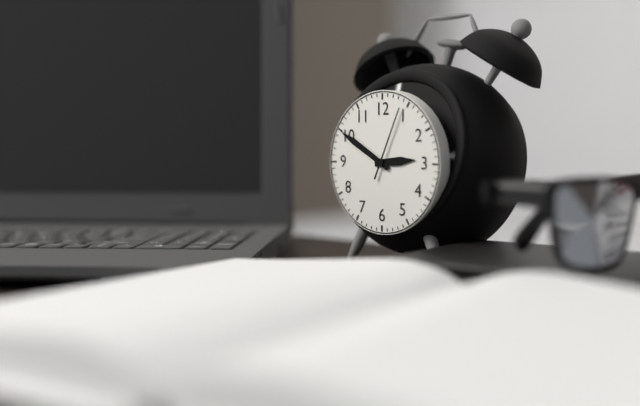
{"hour": 2, "minute": 50, "second": 4}
